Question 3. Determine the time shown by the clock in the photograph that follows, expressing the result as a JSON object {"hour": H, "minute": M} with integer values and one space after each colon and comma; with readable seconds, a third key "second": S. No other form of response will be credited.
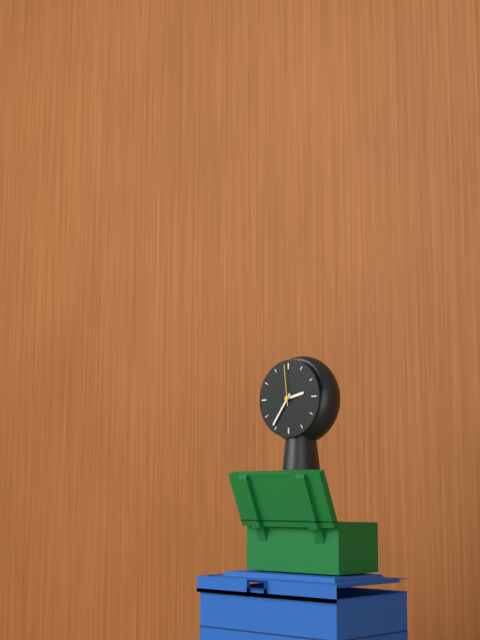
{"hour": 2, "minute": 36}
